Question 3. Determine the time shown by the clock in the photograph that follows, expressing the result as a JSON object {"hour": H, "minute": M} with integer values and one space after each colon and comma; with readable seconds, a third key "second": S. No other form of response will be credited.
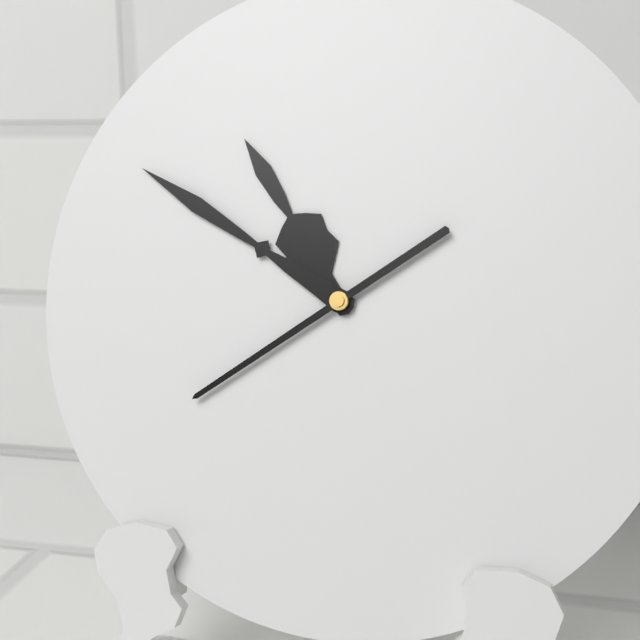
{"hour": 10, "minute": 50, "second": 39}
